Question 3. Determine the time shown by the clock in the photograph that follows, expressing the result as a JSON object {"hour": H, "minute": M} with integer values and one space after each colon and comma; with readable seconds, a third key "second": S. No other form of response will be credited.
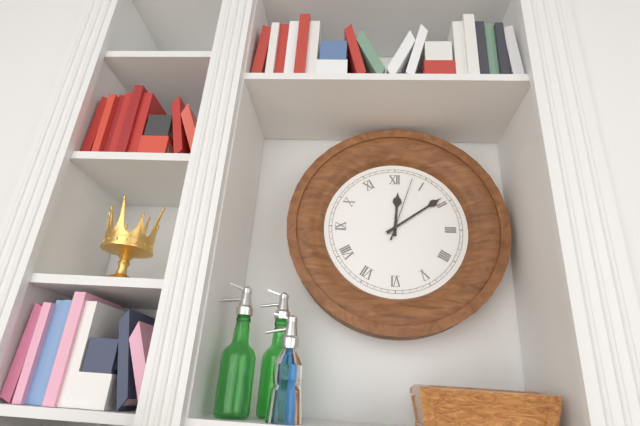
{"hour": 12, "minute": 9, "second": 3}
